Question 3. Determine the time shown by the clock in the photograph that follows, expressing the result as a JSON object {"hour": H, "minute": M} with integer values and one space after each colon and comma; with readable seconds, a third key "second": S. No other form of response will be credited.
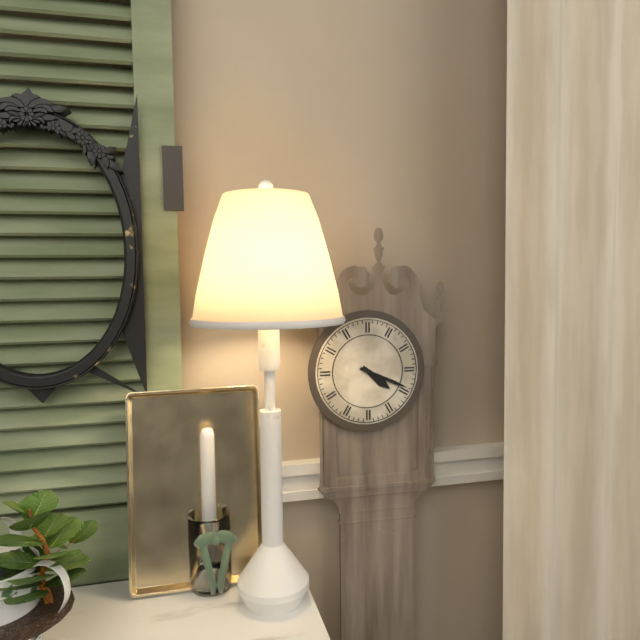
{"hour": 4, "minute": 19}
